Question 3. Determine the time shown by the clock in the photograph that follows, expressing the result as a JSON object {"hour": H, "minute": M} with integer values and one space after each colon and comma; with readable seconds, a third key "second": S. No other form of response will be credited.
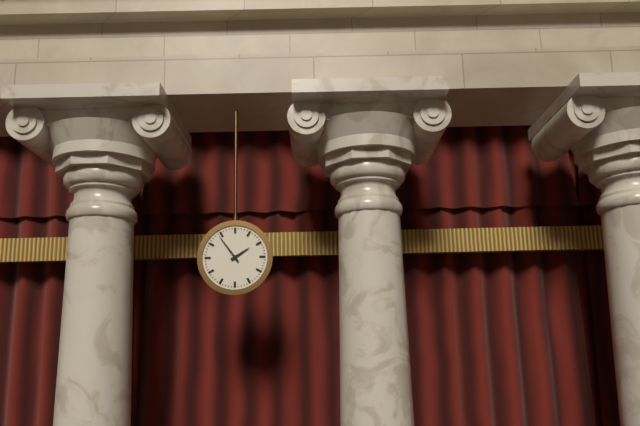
{"hour": 1, "minute": 54}
